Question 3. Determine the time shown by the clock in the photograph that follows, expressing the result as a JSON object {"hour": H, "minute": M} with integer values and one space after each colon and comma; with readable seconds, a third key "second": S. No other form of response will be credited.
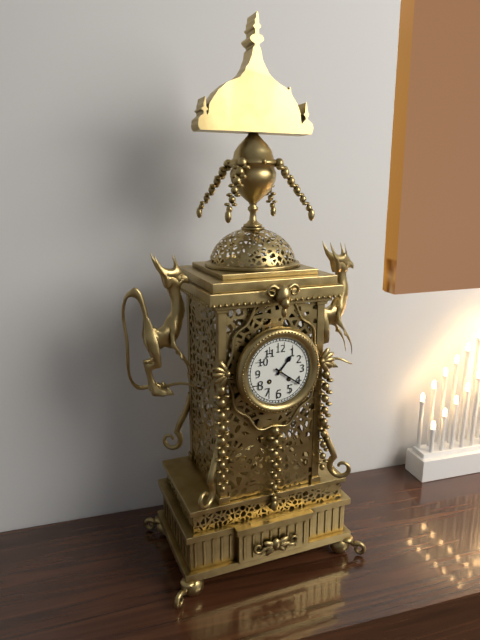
{"hour": 1, "minute": 21}
